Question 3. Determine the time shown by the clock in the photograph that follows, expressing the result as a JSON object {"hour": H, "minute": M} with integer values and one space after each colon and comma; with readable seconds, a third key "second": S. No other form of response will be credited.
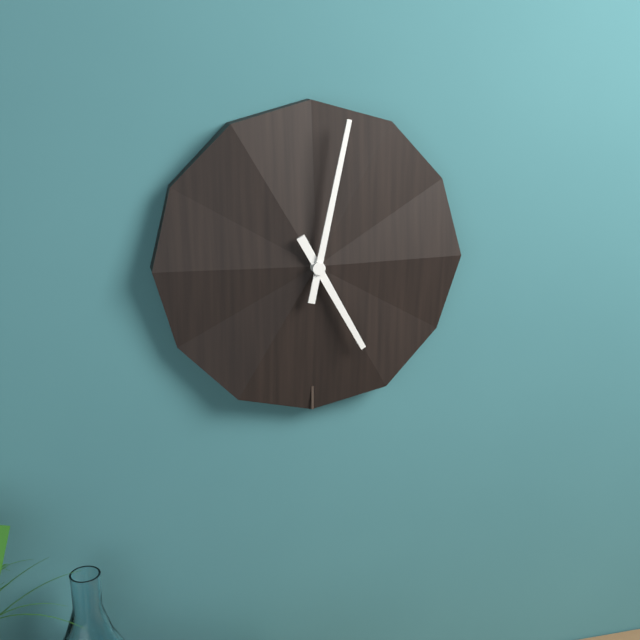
{"hour": 5, "minute": 2}
